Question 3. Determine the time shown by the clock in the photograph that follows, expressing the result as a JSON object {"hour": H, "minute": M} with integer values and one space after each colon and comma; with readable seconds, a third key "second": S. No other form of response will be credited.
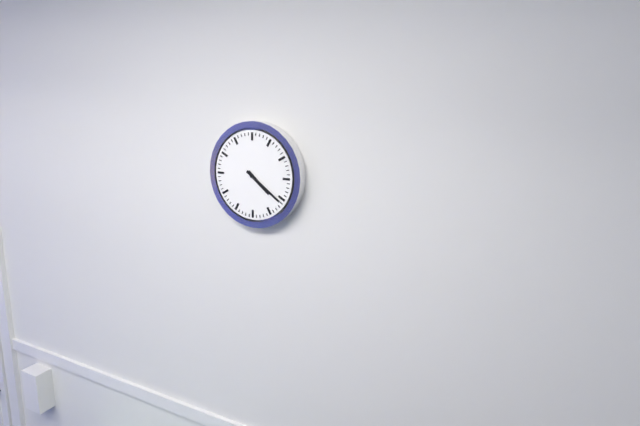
{"hour": 4, "minute": 21}
